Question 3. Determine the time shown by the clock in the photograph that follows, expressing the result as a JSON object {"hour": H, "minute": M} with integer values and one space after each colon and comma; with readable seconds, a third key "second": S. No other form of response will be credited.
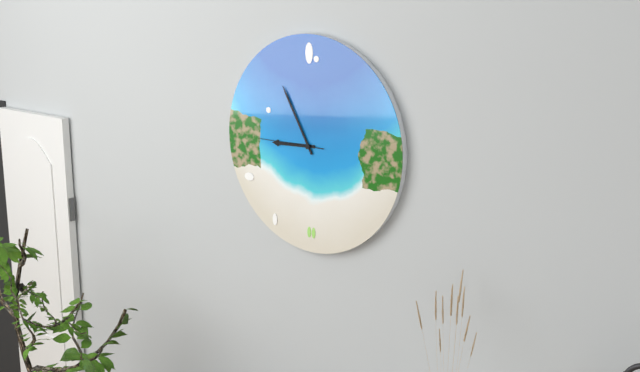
{"hour": 8, "minute": 55, "second": 45}
